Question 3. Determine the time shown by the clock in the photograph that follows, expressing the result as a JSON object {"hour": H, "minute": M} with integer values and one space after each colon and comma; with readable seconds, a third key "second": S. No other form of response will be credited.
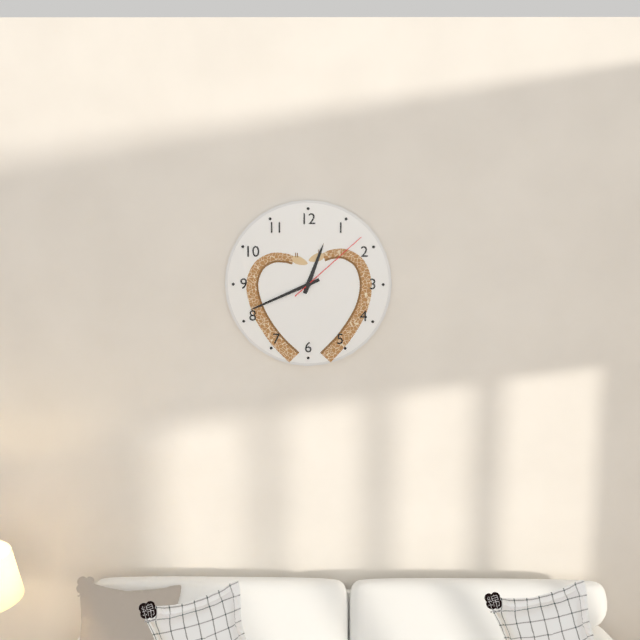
{"hour": 12, "minute": 41, "second": 8}
